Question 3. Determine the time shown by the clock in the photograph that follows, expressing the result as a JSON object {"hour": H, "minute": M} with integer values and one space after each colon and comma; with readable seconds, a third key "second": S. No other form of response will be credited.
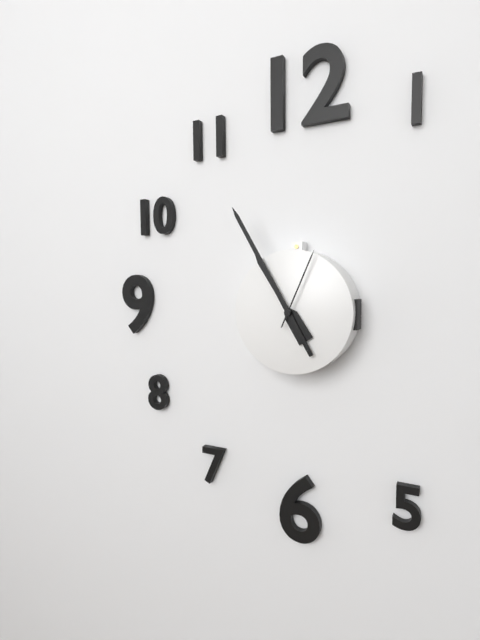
{"hour": 10, "minute": 55, "second": 4}
